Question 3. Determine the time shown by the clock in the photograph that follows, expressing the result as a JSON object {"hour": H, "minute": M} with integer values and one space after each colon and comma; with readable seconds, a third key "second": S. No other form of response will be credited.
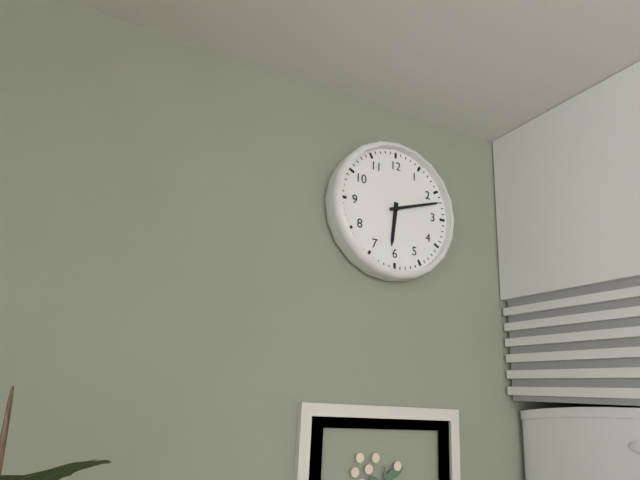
{"hour": 6, "minute": 12}
